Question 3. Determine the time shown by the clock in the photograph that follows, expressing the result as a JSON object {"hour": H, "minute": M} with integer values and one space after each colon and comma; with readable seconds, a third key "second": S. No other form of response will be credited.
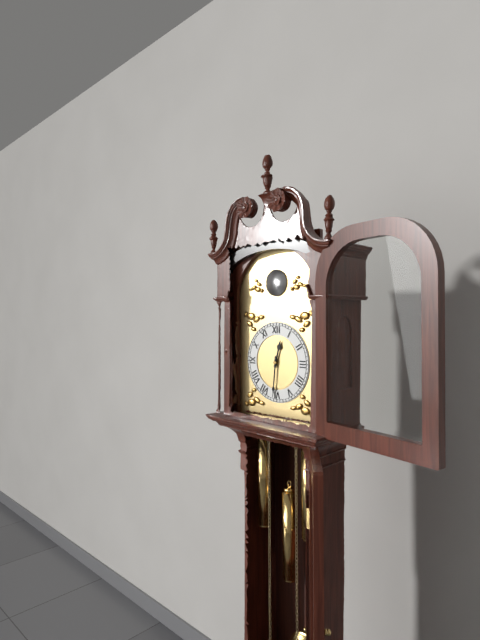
{"hour": 12, "minute": 31}
